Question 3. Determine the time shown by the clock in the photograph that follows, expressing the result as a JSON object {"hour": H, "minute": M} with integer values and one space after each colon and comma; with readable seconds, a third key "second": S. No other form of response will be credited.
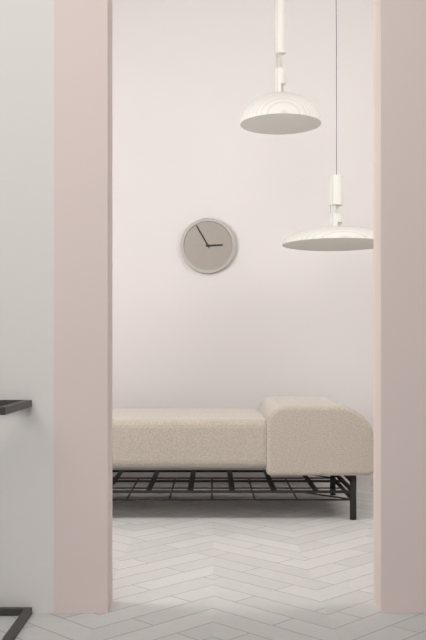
{"hour": 2, "minute": 55}
